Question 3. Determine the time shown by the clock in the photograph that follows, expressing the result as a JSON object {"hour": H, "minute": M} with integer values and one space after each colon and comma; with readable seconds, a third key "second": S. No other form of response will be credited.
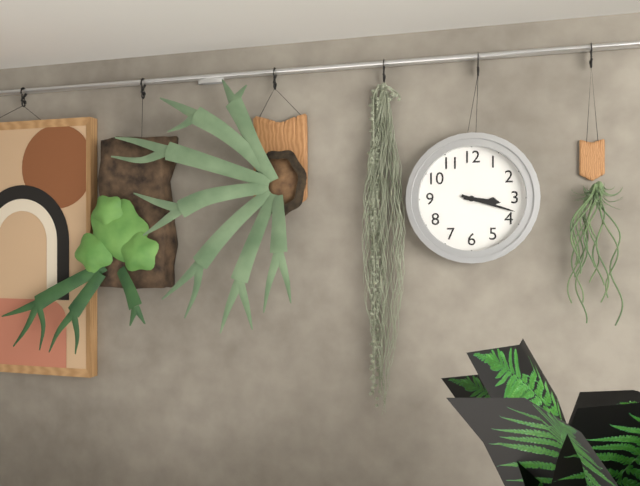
{"hour": 3, "minute": 18}
